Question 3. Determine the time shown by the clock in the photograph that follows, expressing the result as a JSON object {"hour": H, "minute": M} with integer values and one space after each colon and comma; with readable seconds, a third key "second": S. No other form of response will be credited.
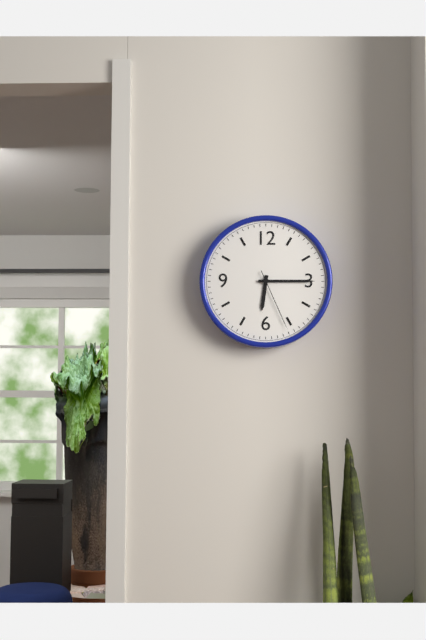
{"hour": 6, "minute": 15, "second": 26}
